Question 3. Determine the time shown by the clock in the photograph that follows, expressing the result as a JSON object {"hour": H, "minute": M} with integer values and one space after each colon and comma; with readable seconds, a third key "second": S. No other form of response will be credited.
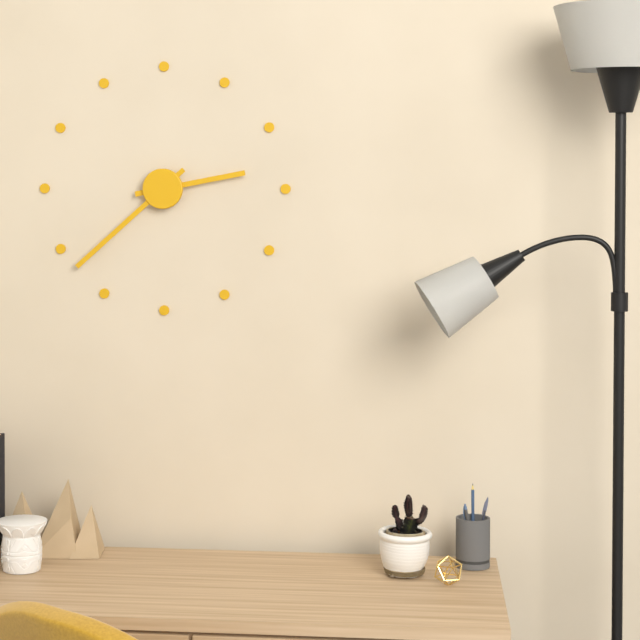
{"hour": 2, "minute": 38}
